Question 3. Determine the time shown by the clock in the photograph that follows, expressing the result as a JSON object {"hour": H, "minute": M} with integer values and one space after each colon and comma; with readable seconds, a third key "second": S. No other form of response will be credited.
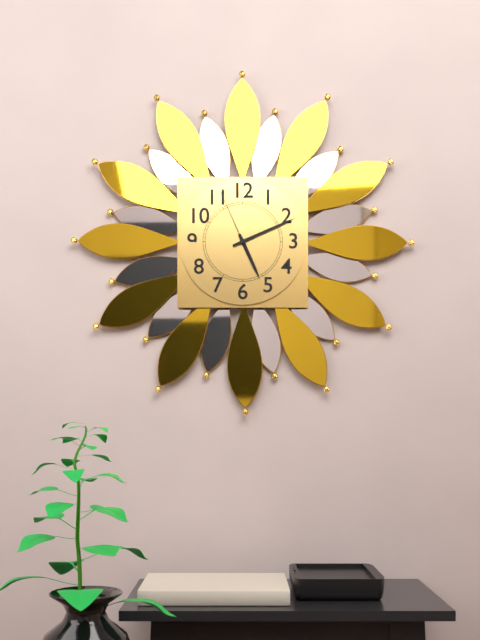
{"hour": 5, "minute": 11, "second": 56}
